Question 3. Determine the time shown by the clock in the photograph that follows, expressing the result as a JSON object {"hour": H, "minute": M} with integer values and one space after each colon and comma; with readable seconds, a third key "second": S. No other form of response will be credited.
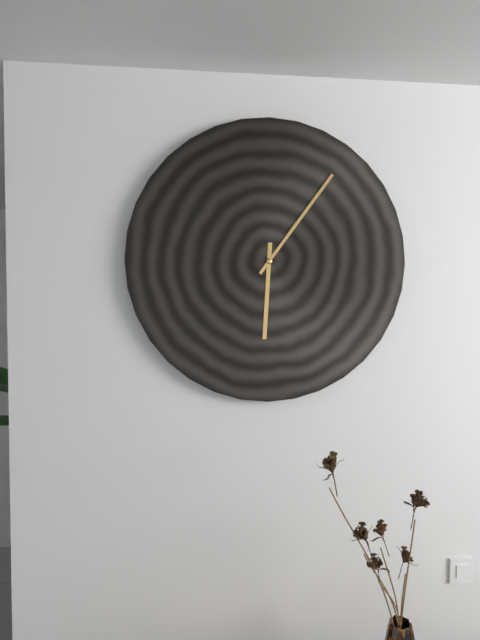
{"hour": 6, "minute": 6}
